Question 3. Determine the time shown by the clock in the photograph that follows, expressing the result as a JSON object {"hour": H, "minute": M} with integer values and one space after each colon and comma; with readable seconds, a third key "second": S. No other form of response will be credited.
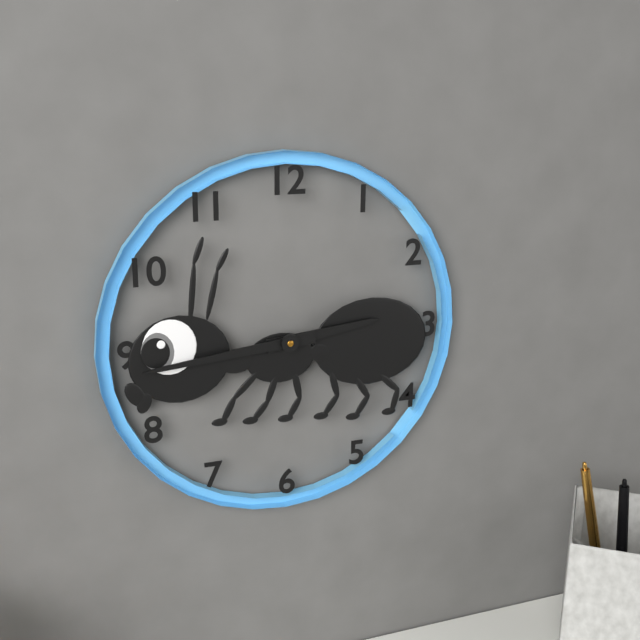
{"hour": 2, "minute": 44}
